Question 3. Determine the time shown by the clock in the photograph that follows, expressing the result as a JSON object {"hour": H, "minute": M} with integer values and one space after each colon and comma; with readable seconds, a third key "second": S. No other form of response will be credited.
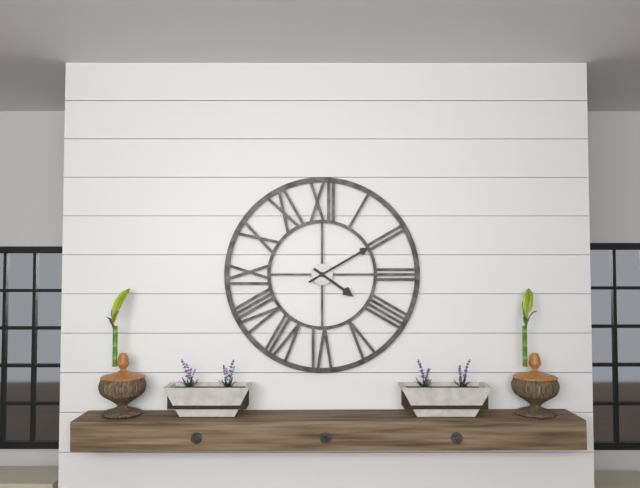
{"hour": 4, "minute": 10}
